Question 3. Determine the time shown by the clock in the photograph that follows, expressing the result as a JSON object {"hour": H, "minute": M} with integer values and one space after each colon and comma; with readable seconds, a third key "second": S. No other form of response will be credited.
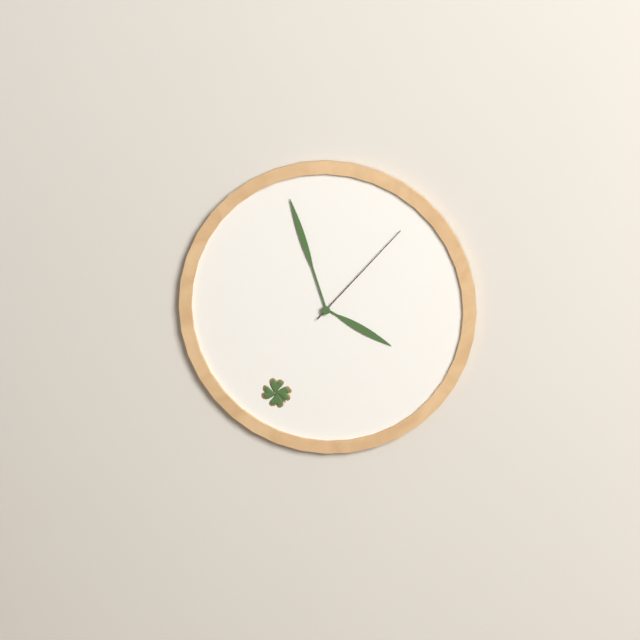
{"hour": 3, "minute": 57, "second": 7}
